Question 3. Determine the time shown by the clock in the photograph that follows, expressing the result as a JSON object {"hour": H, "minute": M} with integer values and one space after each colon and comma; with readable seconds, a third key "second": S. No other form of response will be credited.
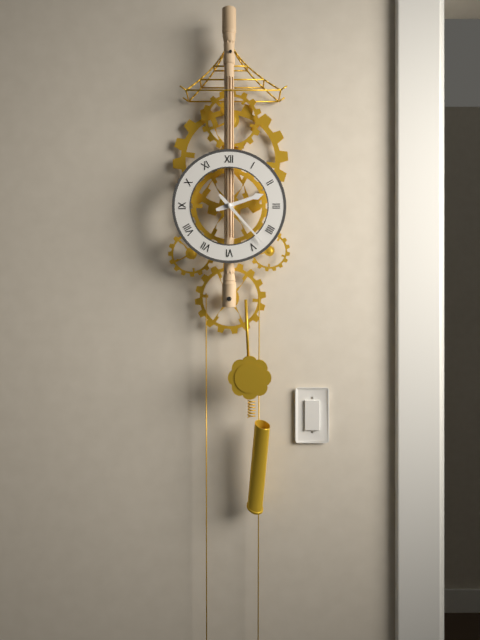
{"hour": 2, "minute": 23}
